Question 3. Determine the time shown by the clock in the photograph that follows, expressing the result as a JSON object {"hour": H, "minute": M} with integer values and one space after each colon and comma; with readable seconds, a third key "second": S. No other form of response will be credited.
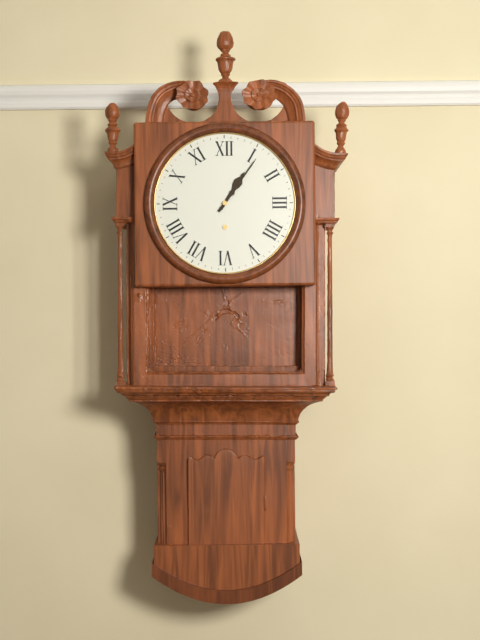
{"hour": 1, "minute": 6}
